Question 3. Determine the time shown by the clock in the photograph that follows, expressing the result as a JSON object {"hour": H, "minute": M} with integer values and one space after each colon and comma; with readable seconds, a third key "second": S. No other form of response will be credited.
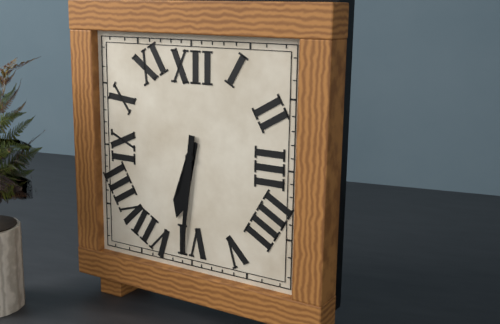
{"hour": 6, "minute": 31}
